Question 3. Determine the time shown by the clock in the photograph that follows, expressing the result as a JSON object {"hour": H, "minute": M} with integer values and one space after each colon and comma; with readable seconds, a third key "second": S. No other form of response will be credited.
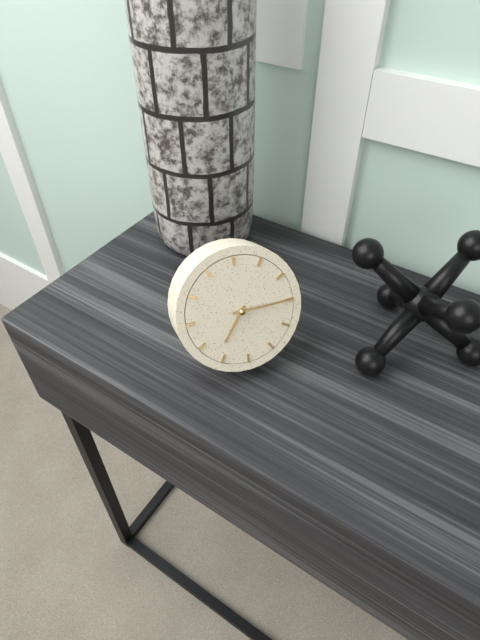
{"hour": 7, "minute": 15}
